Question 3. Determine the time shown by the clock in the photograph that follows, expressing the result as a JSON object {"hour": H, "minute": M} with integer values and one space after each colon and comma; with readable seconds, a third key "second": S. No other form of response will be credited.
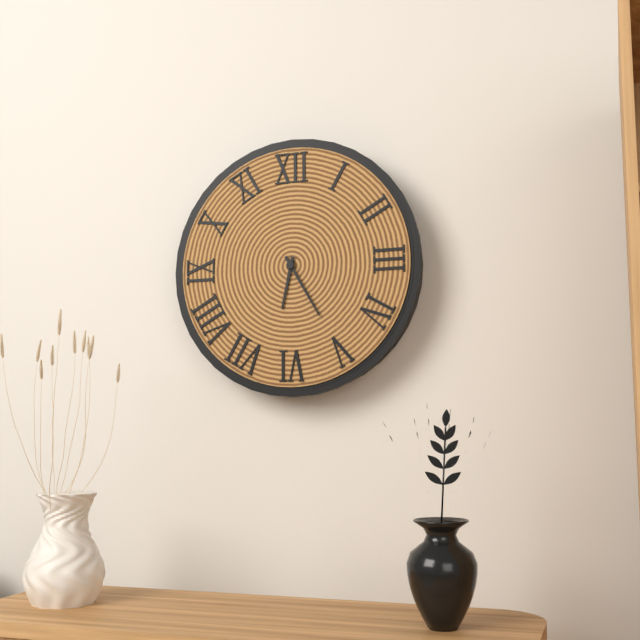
{"hour": 6, "minute": 25}
